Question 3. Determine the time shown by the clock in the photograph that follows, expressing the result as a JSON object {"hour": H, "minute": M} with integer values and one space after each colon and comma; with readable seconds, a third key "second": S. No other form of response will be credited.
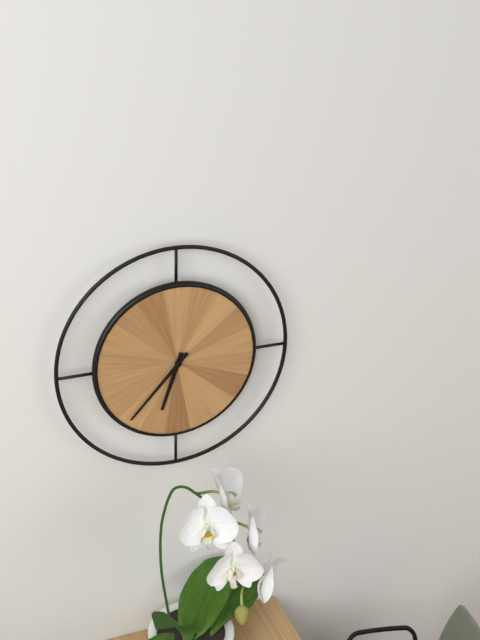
{"hour": 6, "minute": 37}
